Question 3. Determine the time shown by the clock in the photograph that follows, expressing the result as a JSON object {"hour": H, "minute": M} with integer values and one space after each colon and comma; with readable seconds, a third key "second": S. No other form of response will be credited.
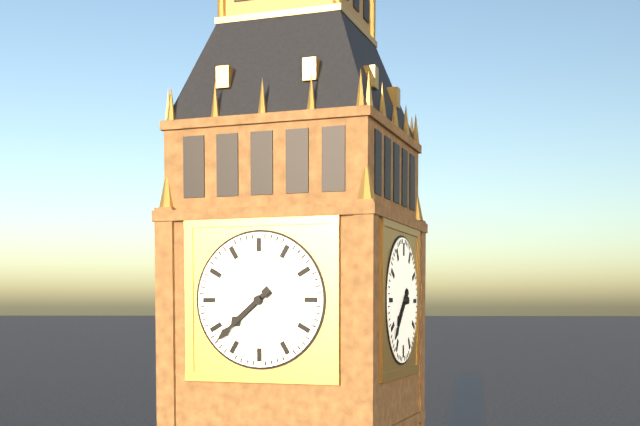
{"hour": 7, "minute": 38}
